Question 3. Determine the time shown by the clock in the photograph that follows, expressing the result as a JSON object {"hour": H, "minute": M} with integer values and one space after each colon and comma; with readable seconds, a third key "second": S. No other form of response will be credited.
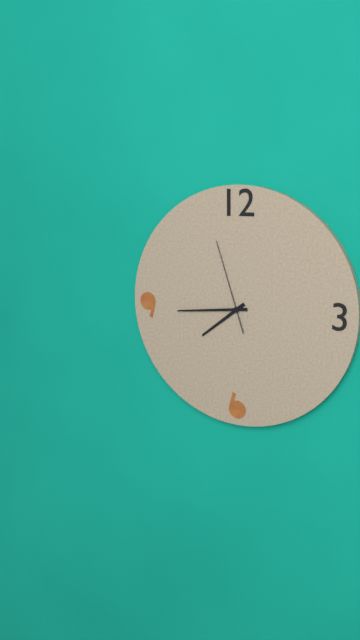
{"hour": 7, "minute": 44, "second": 57}
